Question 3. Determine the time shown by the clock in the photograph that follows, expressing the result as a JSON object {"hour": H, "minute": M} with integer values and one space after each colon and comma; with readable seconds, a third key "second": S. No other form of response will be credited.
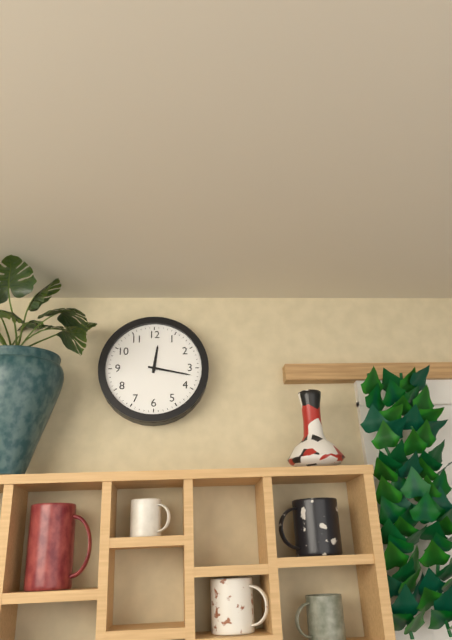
{"hour": 12, "minute": 17}
